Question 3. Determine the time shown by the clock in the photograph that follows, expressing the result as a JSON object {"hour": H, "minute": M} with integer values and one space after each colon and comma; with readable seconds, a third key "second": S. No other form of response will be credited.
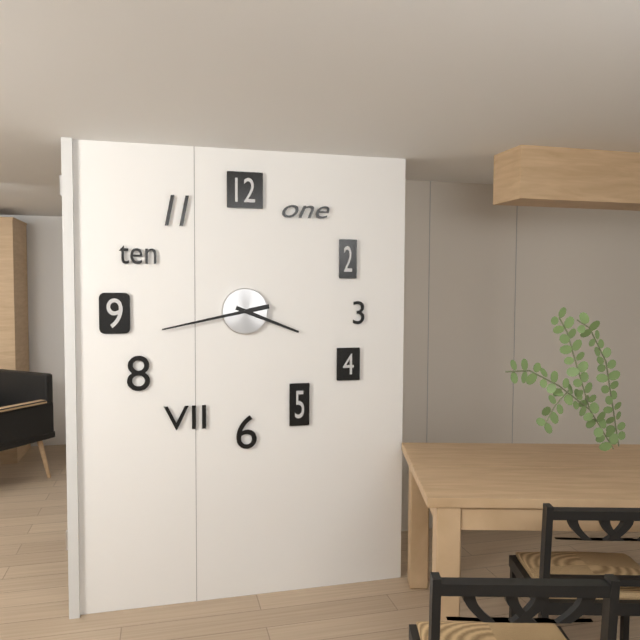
{"hour": 3, "minute": 43}
